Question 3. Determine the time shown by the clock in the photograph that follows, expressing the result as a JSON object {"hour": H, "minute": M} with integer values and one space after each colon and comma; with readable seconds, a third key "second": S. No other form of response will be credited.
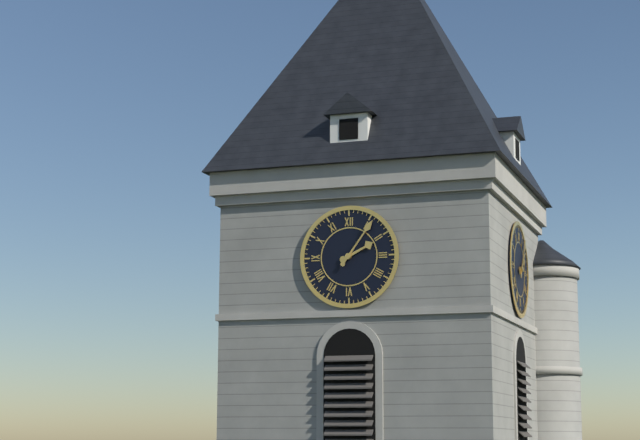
{"hour": 2, "minute": 6}
